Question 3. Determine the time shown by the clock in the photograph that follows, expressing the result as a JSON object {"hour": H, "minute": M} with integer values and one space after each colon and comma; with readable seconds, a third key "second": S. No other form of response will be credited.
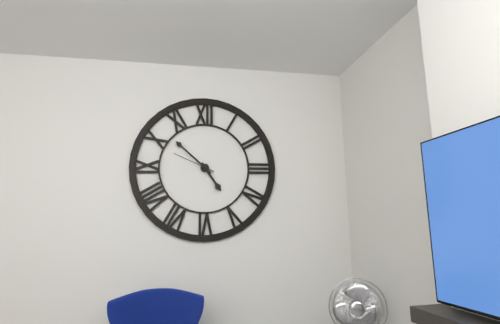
{"hour": 4, "minute": 52}
